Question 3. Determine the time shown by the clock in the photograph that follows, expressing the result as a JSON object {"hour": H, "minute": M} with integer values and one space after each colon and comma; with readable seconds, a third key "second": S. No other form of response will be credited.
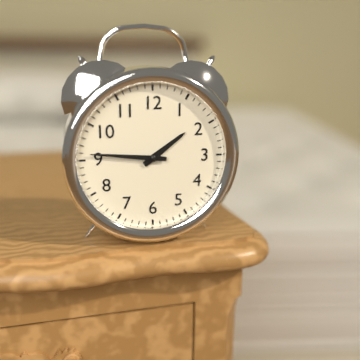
{"hour": 1, "minute": 46}
